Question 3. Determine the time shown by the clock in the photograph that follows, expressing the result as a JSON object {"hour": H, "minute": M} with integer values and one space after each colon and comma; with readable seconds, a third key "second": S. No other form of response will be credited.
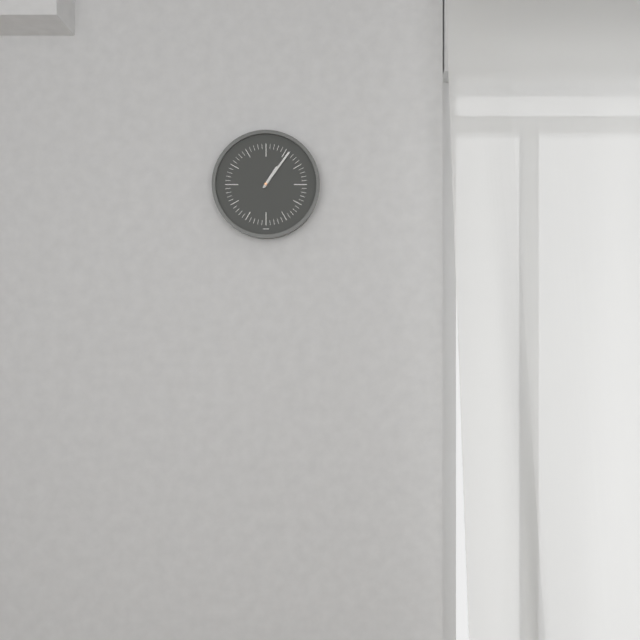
{"hour": 1, "minute": 6}
